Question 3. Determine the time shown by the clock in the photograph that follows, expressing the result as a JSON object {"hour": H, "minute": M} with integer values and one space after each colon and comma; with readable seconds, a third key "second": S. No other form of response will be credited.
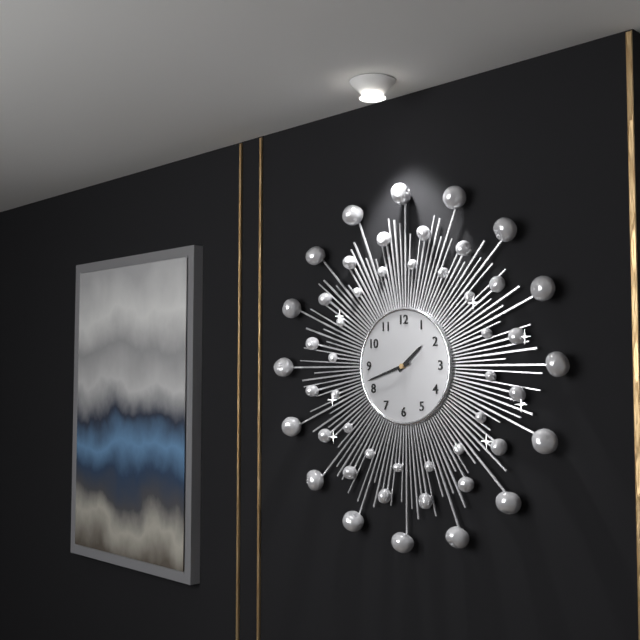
{"hour": 1, "minute": 42}
